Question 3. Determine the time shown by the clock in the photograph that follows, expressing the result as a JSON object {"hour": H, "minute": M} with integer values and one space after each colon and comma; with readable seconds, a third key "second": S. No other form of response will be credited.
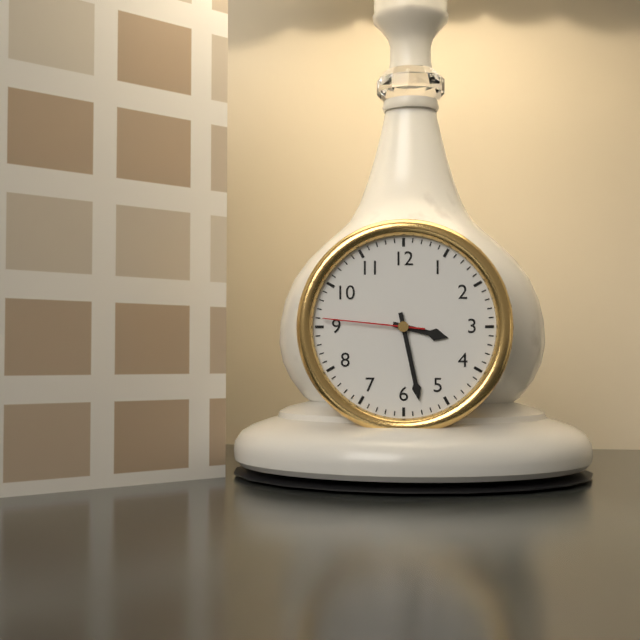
{"hour": 3, "minute": 28, "second": 46}
